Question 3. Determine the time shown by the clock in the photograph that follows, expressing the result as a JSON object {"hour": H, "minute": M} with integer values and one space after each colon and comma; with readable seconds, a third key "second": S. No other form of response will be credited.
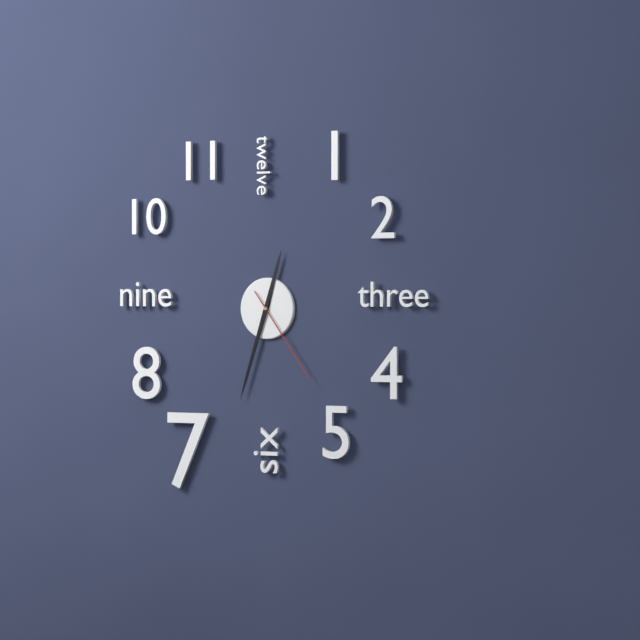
{"hour": 12, "minute": 33, "second": 24}
